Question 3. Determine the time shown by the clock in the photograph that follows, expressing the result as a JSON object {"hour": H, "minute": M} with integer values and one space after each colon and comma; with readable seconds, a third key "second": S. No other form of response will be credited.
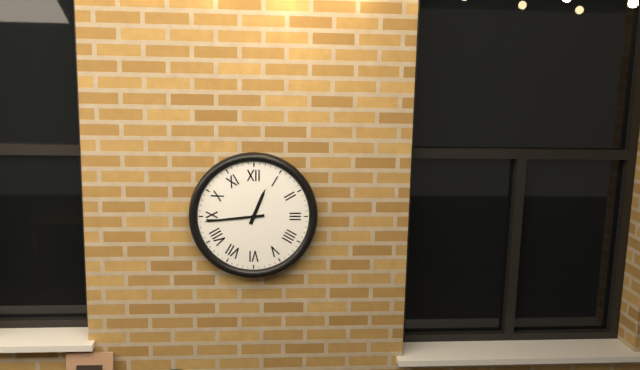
{"hour": 12, "minute": 44}
